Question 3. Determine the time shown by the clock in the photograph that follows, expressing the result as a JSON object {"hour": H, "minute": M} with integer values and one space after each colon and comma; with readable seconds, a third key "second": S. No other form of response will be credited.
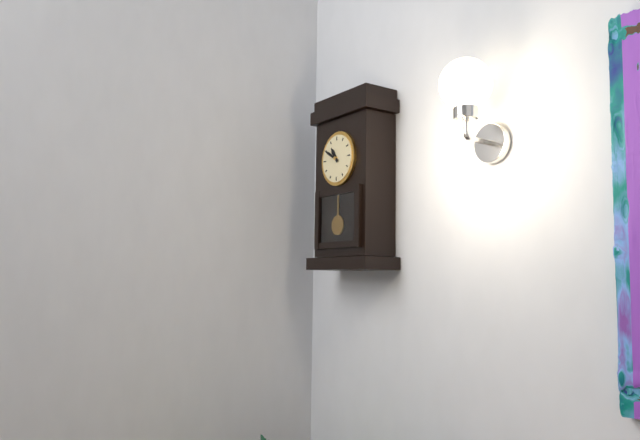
{"hour": 10, "minute": 50}
